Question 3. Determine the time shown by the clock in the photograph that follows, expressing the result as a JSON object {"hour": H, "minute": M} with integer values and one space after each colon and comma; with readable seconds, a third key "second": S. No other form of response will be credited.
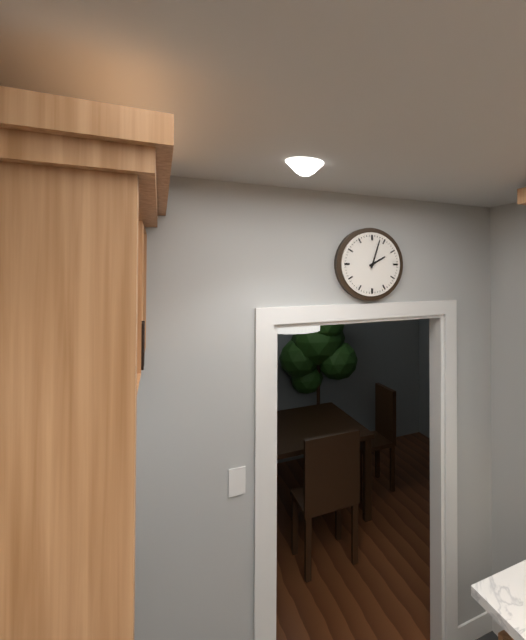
{"hour": 2, "minute": 3}
